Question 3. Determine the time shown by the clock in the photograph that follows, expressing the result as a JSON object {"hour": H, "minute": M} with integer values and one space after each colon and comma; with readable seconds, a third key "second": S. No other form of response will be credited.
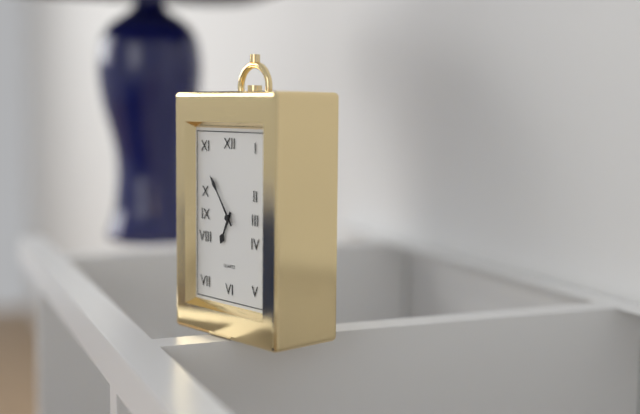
{"hour": 6, "minute": 54}
